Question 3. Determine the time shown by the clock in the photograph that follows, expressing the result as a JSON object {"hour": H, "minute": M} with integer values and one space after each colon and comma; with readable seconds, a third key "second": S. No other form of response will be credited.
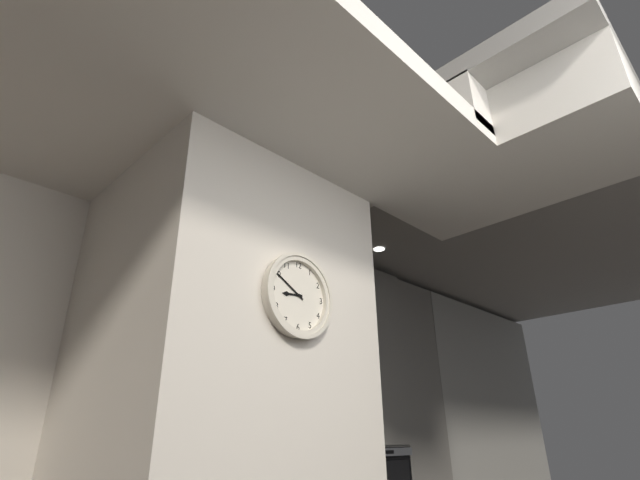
{"hour": 8, "minute": 50}
